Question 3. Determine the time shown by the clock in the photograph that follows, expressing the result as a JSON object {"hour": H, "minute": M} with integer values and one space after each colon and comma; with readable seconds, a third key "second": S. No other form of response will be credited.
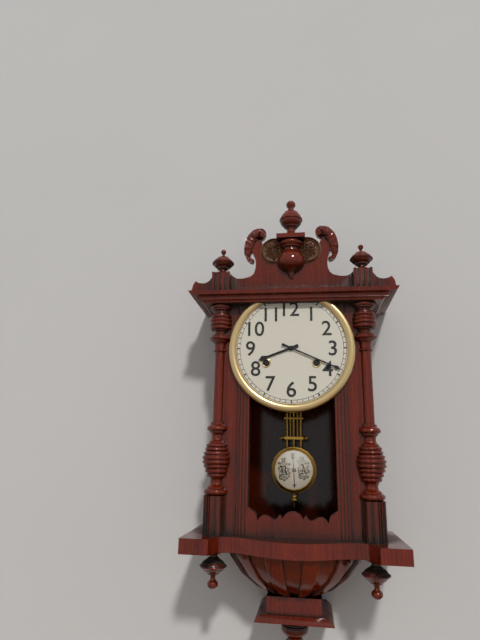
{"hour": 8, "minute": 19}
